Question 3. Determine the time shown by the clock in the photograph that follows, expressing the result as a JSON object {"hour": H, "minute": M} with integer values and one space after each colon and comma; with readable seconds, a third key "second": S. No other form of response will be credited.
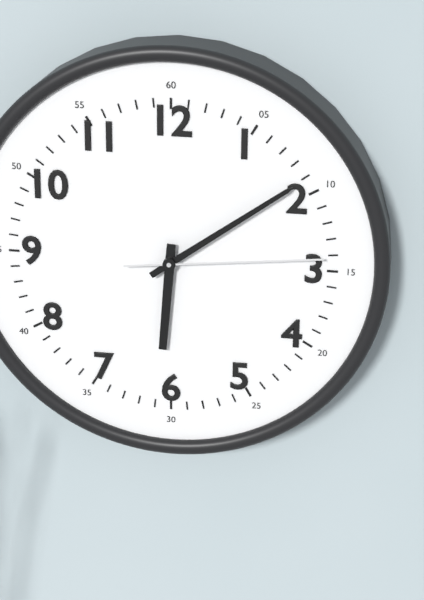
{"hour": 6, "minute": 9, "second": 14}
